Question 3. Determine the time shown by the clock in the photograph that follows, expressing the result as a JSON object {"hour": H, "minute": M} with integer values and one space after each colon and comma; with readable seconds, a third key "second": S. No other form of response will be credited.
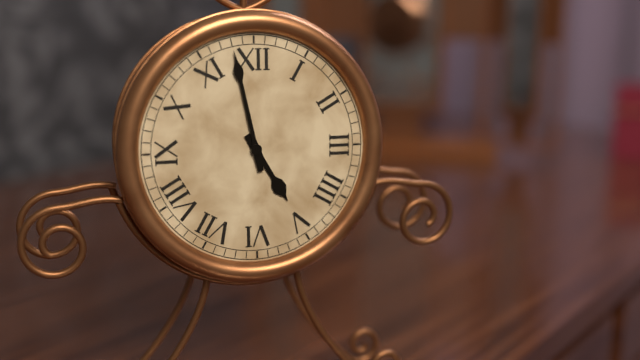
{"hour": 4, "minute": 58}
